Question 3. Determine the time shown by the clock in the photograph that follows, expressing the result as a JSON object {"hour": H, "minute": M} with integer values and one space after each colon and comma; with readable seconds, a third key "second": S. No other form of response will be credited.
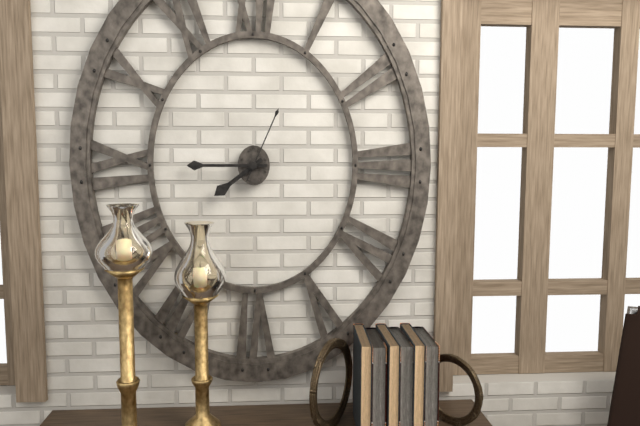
{"hour": 7, "minute": 45, "second": 4}
